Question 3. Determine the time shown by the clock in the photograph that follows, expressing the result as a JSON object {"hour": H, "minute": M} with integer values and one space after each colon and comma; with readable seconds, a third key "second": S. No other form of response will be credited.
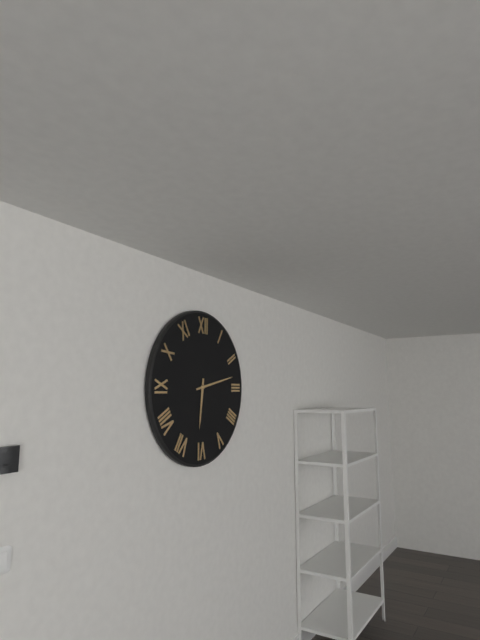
{"hour": 6, "minute": 13}
